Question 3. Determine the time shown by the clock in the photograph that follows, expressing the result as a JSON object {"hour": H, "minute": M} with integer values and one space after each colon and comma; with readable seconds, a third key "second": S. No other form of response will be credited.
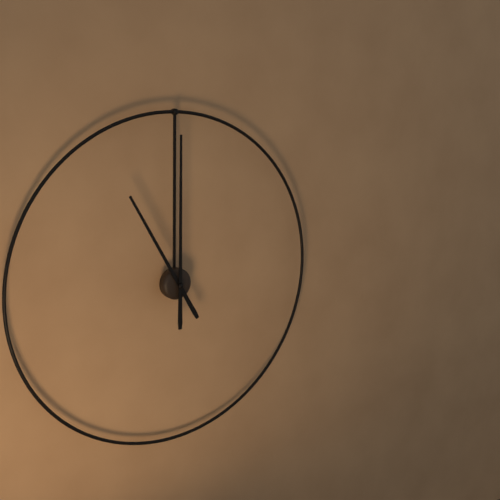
{"hour": 11, "minute": 0}
